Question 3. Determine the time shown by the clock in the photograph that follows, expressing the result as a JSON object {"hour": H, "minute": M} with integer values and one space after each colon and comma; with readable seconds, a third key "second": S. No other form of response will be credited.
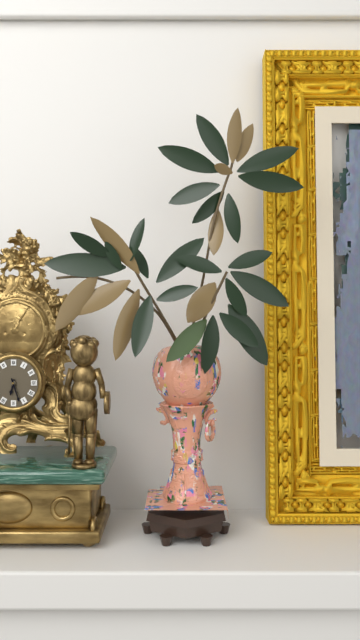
{"hour": 6, "minute": 27}
